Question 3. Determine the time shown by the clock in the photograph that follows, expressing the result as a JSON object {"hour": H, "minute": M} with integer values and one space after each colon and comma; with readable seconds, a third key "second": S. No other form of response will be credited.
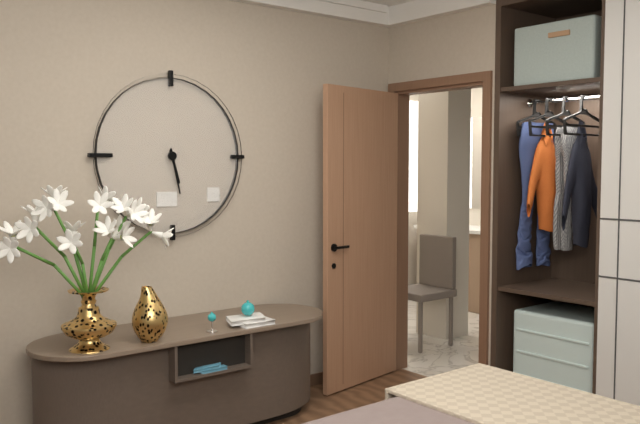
{"hour": 5, "minute": 28}
